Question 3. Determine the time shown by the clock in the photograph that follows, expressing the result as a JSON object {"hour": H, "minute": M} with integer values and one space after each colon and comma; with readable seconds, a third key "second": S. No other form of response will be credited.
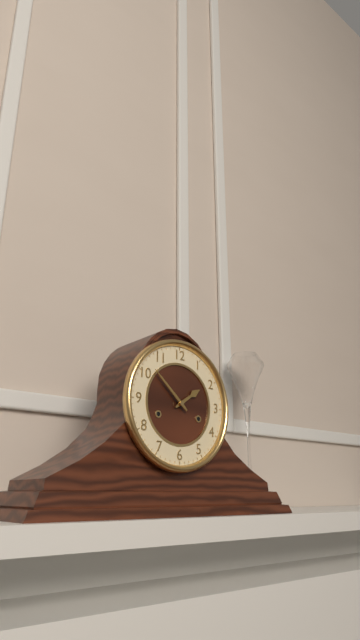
{"hour": 1, "minute": 52}
